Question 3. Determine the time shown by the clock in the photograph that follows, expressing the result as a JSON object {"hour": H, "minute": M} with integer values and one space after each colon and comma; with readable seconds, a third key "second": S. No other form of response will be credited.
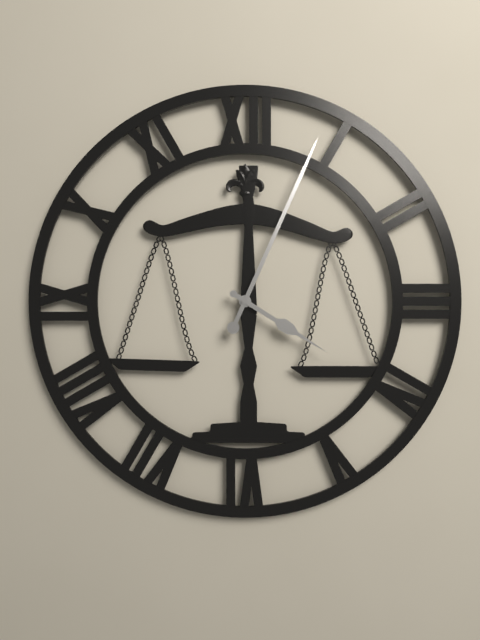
{"hour": 4, "minute": 4}
